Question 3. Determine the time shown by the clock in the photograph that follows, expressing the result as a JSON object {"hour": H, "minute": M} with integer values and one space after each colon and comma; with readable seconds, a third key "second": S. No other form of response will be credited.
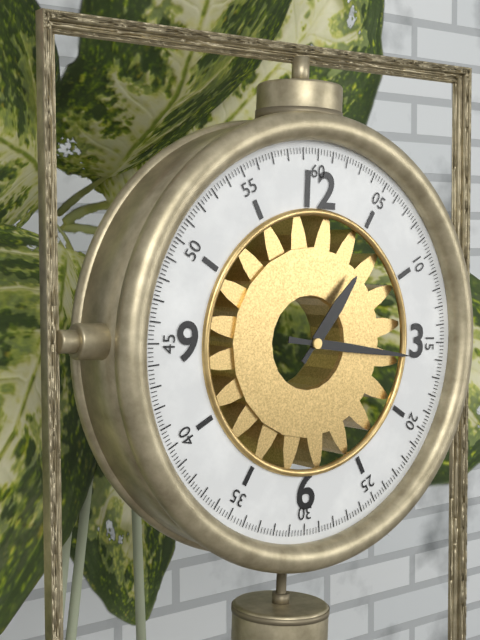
{"hour": 1, "minute": 16}
